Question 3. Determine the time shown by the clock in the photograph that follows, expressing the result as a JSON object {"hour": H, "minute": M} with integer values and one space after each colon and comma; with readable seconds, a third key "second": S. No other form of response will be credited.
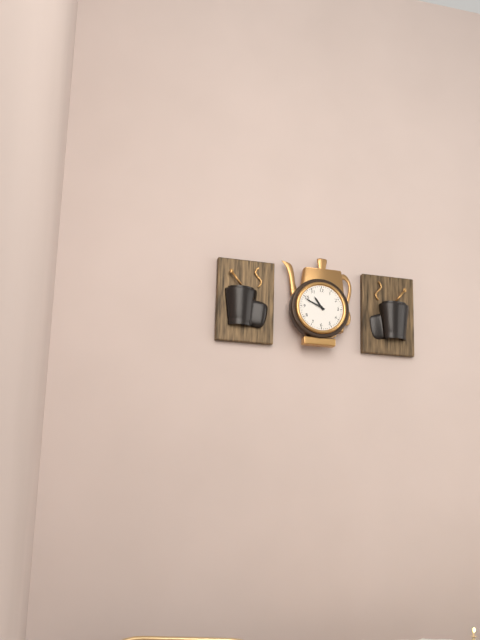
{"hour": 10, "minute": 49}
